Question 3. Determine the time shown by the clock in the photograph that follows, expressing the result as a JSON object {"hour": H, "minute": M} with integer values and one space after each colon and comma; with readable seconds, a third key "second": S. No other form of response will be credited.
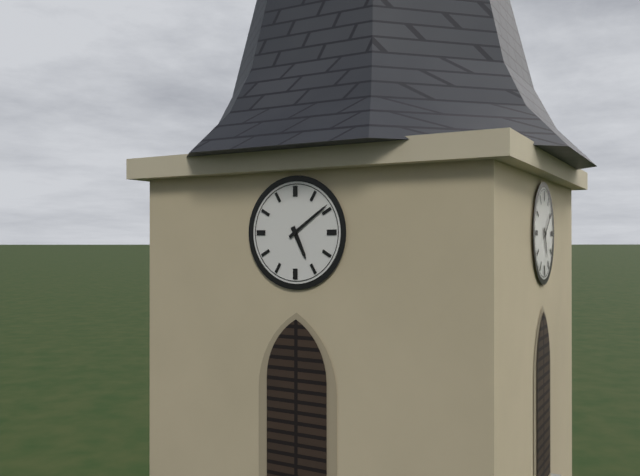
{"hour": 5, "minute": 9}
